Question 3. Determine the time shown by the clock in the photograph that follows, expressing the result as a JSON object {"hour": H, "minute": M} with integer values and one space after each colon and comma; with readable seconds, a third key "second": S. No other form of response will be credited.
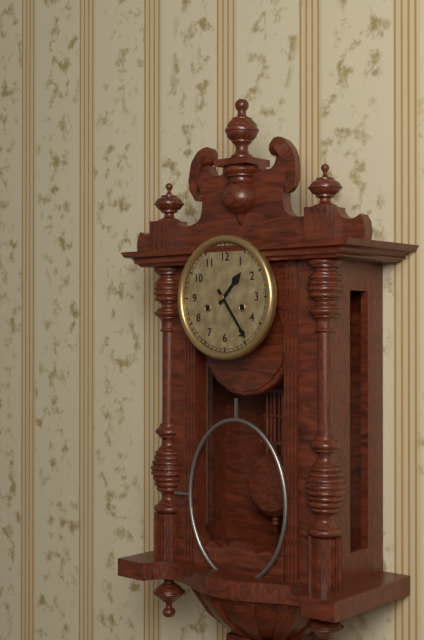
{"hour": 1, "minute": 24}
